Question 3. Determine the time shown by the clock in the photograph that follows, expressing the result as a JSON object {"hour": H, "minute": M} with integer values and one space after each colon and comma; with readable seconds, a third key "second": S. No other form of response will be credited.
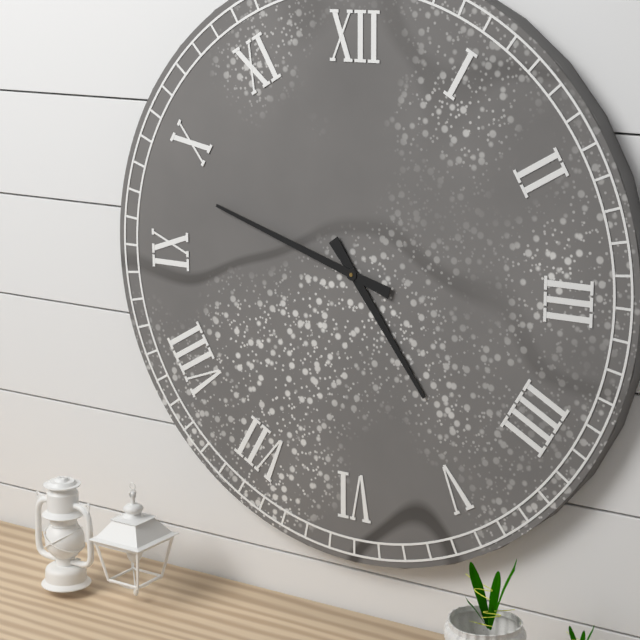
{"hour": 4, "minute": 48}
